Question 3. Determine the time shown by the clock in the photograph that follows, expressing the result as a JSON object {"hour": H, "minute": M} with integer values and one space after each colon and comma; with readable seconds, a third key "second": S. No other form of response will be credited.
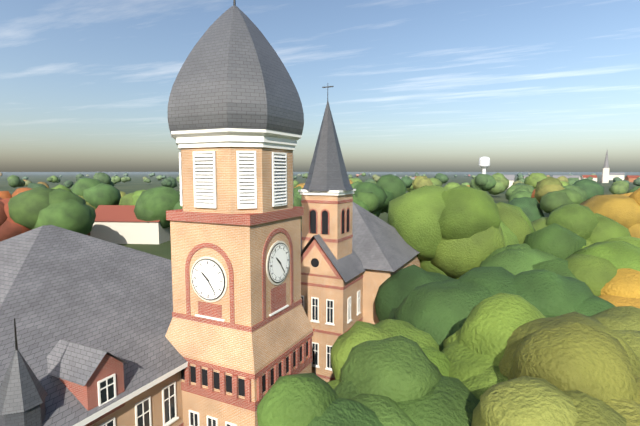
{"hour": 10, "minute": 24}
